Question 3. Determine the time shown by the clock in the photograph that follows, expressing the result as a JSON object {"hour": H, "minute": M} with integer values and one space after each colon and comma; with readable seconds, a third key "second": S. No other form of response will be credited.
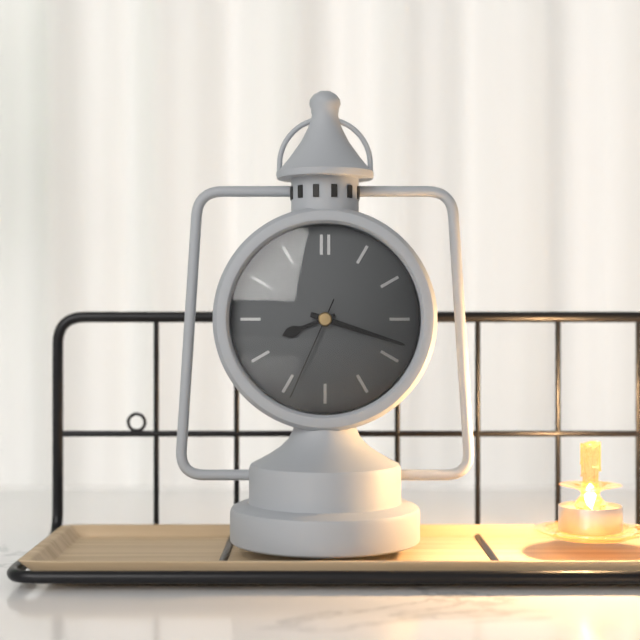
{"hour": 8, "minute": 18, "second": 34}
